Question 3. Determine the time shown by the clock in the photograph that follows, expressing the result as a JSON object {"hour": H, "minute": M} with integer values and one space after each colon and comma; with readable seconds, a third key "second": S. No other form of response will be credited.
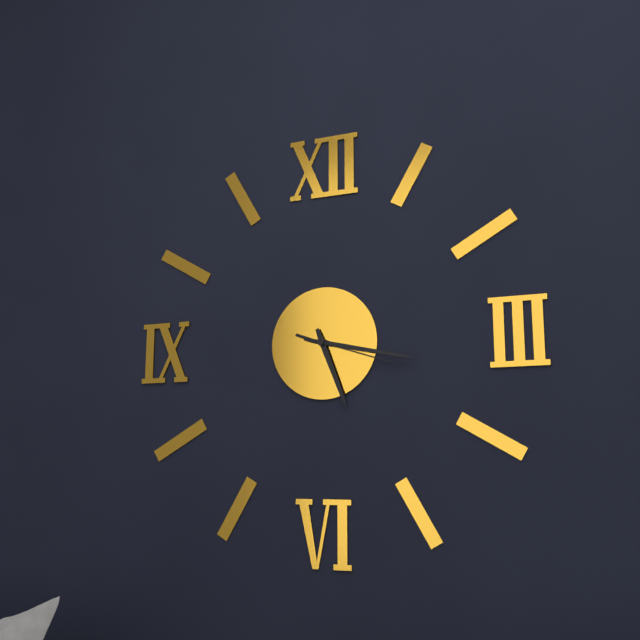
{"hour": 5, "minute": 17, "second": 18}
